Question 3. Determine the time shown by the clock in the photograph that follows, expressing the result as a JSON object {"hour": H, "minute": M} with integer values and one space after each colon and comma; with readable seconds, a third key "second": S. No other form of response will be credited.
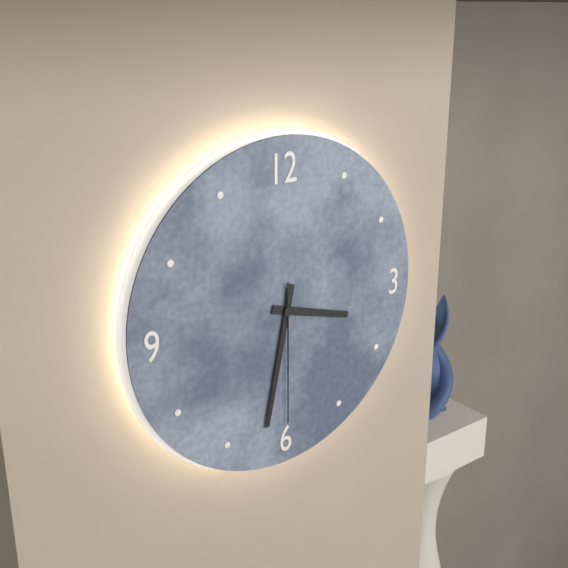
{"hour": 3, "minute": 32, "second": 30}
